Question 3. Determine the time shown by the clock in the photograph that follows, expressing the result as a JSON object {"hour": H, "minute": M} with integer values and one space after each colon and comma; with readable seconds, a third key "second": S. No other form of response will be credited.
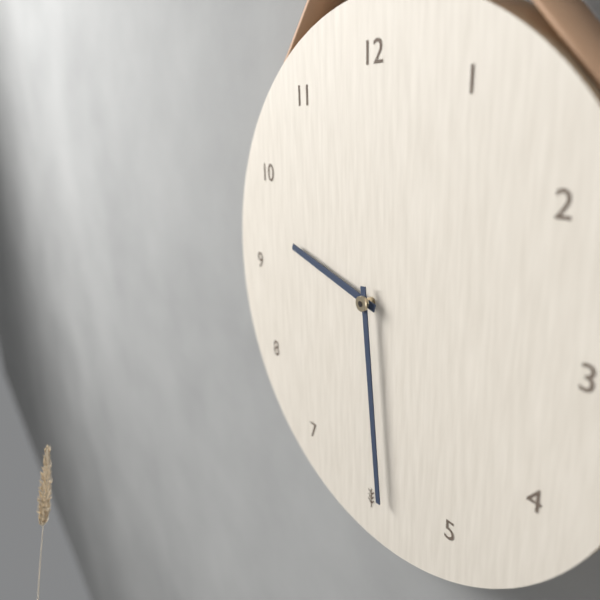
{"hour": 9, "minute": 29}
